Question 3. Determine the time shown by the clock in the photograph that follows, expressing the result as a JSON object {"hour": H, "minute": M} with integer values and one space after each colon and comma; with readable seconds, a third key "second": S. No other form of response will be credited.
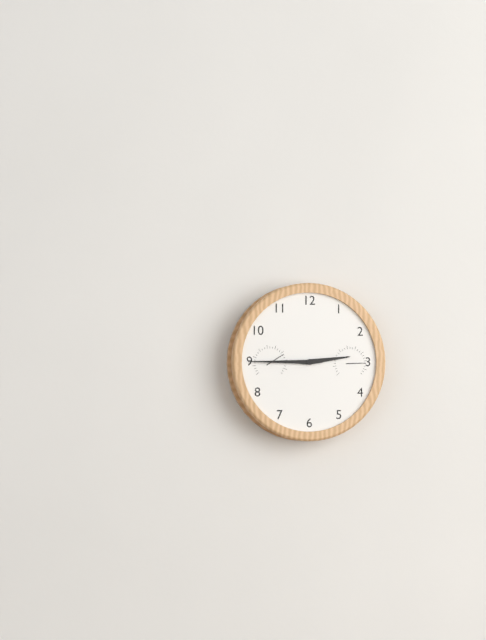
{"hour": 2, "minute": 45}
